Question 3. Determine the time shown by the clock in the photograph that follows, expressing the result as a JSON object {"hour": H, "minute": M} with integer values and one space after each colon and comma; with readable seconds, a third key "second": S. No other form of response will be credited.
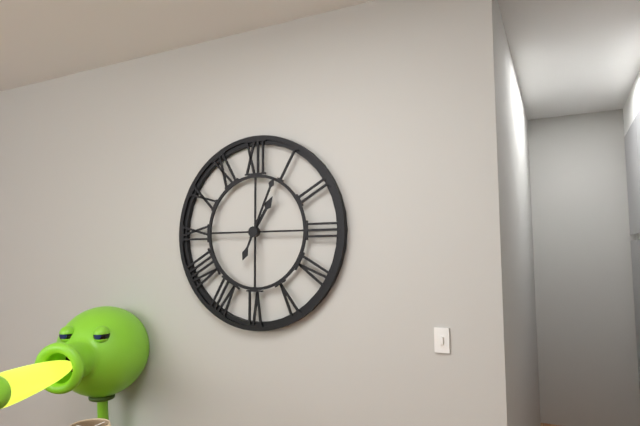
{"hour": 1, "minute": 4}
